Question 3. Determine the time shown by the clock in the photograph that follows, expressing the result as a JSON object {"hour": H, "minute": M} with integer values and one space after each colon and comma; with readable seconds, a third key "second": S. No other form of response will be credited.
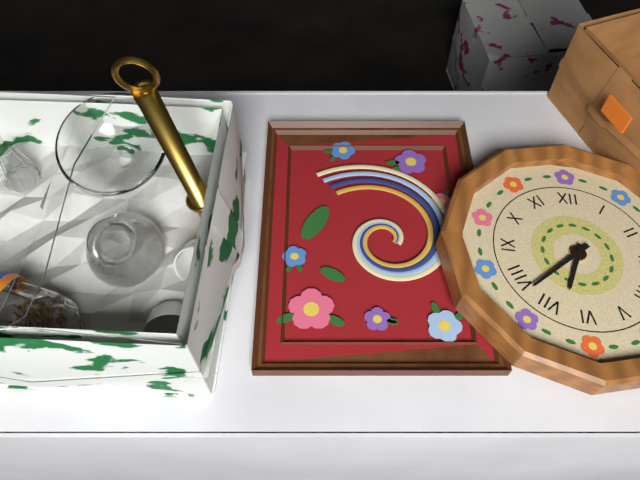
{"hour": 6, "minute": 38}
